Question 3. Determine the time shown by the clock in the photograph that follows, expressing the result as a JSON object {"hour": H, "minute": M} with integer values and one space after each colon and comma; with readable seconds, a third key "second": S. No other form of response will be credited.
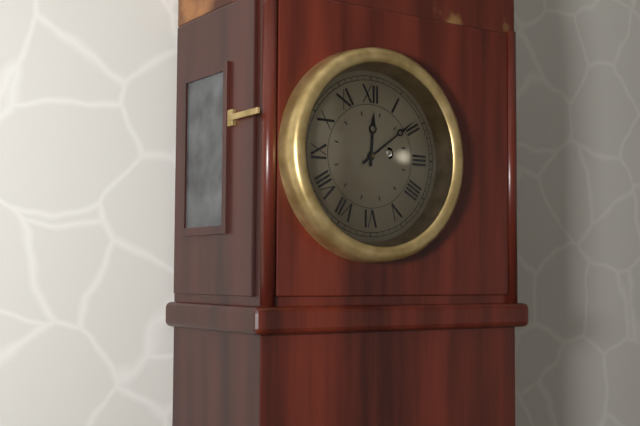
{"hour": 12, "minute": 9}
